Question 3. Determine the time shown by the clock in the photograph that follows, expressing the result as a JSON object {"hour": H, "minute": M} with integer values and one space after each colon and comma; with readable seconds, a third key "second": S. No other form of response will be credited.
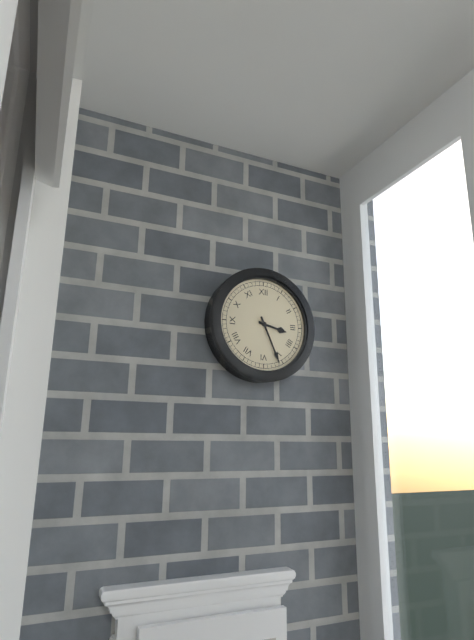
{"hour": 3, "minute": 26}
